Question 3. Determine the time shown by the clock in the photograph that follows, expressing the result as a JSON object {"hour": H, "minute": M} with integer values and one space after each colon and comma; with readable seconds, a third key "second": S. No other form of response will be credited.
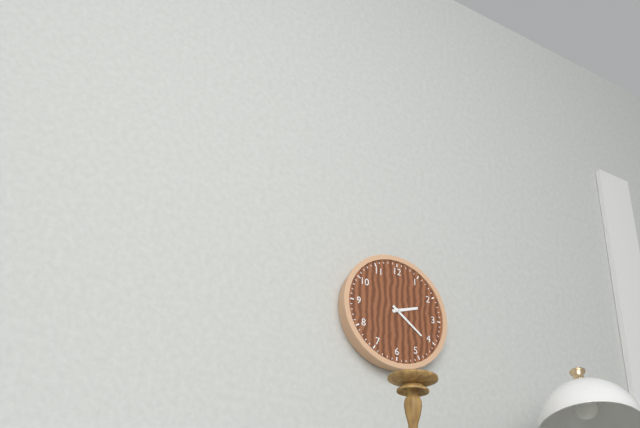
{"hour": 2, "minute": 21}
